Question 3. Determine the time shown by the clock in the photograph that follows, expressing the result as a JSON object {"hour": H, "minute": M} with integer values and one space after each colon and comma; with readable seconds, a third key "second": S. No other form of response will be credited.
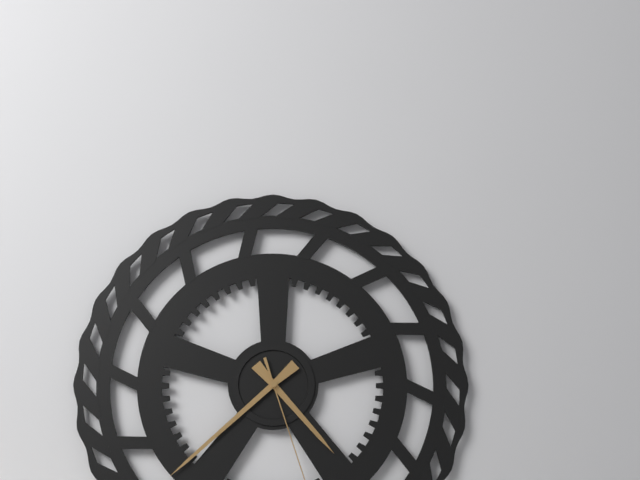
{"hour": 4, "minute": 38}
